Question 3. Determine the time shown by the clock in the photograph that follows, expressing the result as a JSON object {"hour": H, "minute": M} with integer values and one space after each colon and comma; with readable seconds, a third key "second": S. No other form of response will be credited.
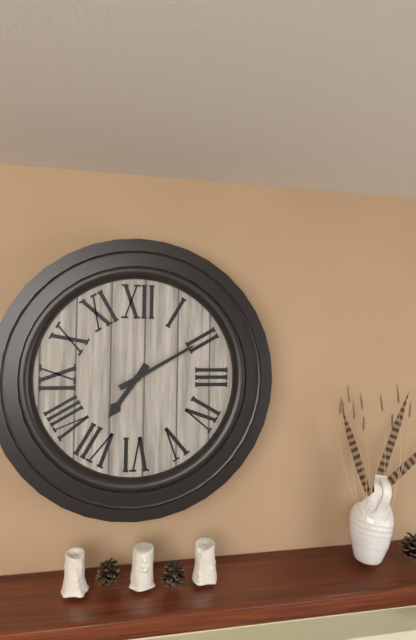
{"hour": 7, "minute": 10}
